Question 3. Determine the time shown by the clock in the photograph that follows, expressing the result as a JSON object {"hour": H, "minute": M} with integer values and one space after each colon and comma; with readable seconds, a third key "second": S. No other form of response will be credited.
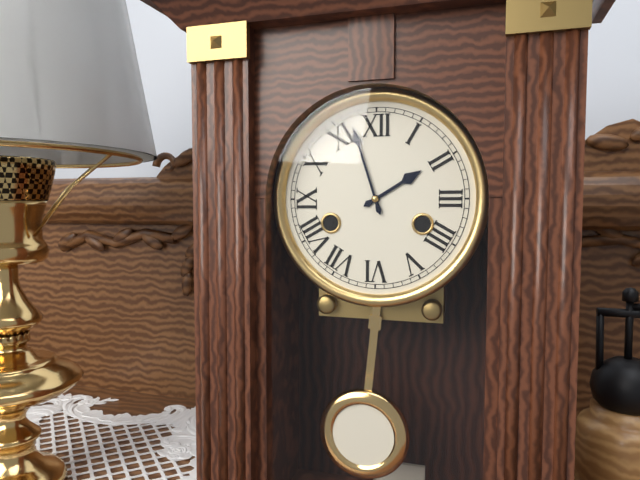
{"hour": 1, "minute": 57}
